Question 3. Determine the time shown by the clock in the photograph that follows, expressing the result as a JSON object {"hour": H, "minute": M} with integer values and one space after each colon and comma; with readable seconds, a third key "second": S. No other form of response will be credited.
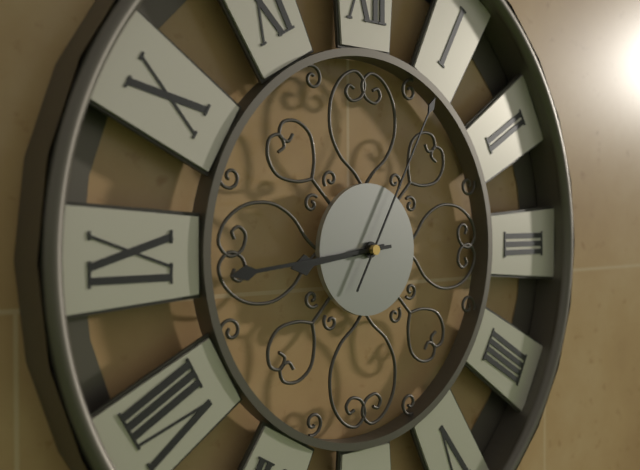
{"hour": 8, "minute": 44, "second": 5}
